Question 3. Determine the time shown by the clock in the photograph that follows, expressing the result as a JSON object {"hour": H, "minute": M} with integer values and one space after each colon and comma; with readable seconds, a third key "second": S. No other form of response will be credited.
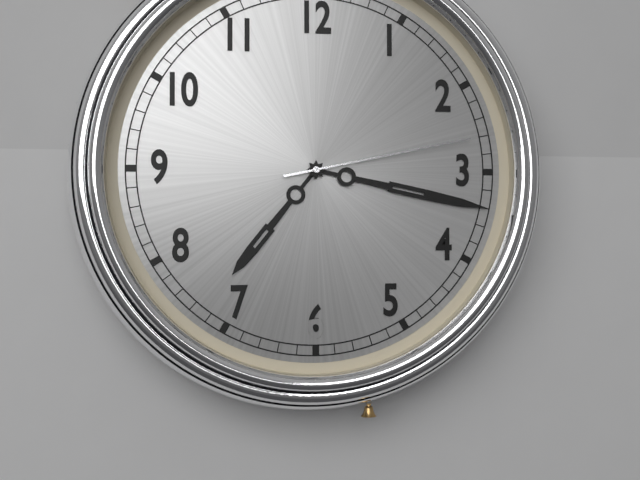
{"hour": 7, "minute": 17, "second": 13}
